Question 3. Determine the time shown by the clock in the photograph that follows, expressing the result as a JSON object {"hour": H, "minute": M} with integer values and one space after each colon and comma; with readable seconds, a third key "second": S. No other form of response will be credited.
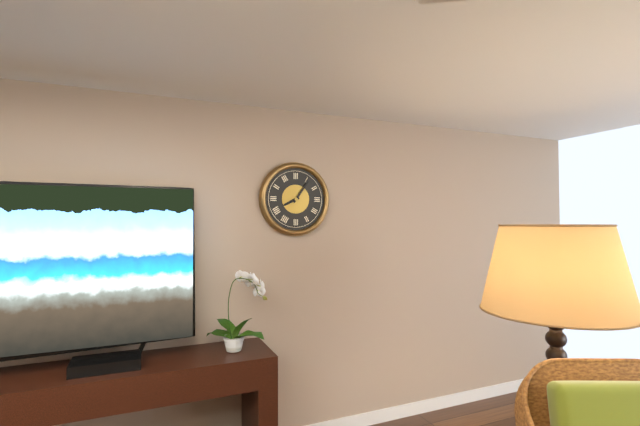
{"hour": 8, "minute": 6}
